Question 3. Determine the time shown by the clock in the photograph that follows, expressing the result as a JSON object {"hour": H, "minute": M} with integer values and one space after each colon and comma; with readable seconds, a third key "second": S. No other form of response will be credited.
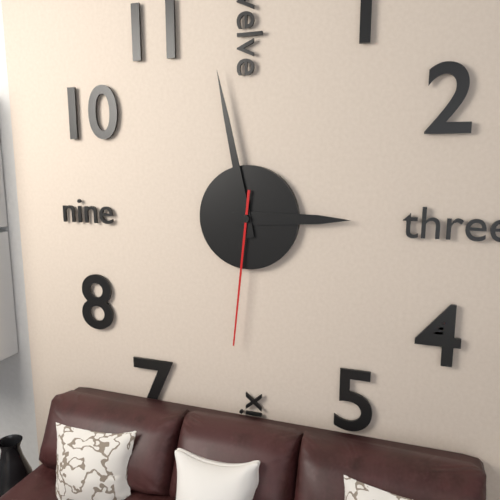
{"hour": 2, "minute": 58, "second": 31}
